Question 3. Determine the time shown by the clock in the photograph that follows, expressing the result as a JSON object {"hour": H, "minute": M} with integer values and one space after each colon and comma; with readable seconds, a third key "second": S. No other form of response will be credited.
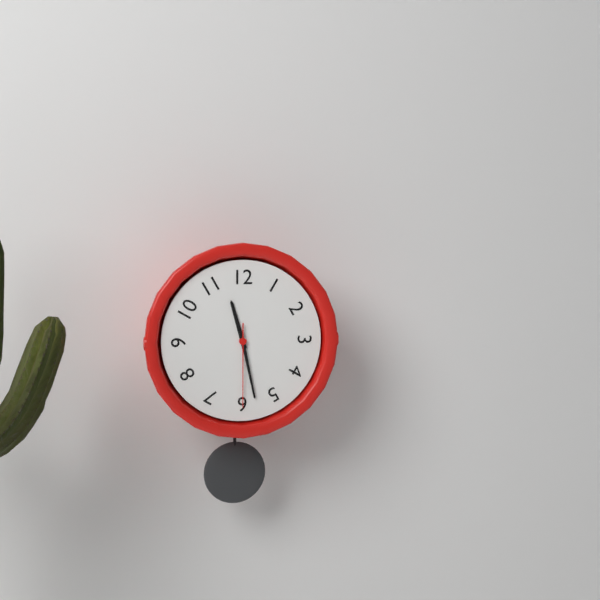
{"hour": 11, "minute": 28, "second": 30}
